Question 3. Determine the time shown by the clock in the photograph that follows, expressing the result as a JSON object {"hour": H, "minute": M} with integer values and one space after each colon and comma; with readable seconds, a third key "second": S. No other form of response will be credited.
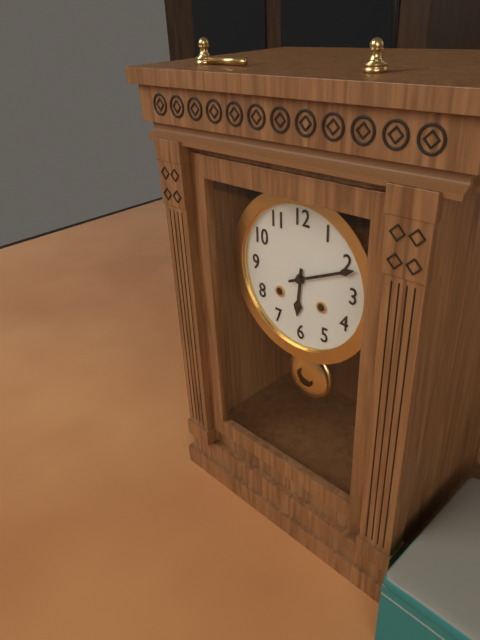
{"hour": 6, "minute": 11}
